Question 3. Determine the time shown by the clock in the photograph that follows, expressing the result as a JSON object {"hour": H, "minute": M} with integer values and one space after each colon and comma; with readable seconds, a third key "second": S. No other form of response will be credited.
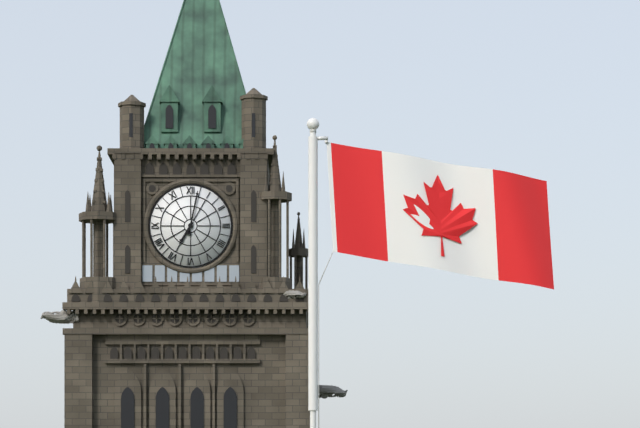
{"hour": 7, "minute": 2}
